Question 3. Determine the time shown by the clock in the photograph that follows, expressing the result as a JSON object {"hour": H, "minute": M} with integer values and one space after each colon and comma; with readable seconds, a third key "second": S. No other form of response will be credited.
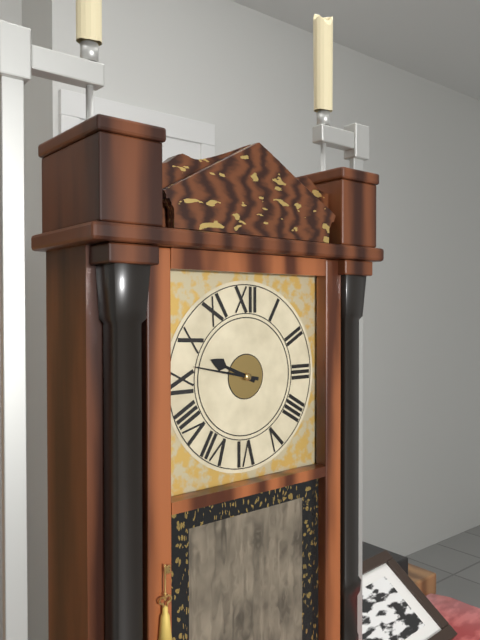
{"hour": 9, "minute": 47}
